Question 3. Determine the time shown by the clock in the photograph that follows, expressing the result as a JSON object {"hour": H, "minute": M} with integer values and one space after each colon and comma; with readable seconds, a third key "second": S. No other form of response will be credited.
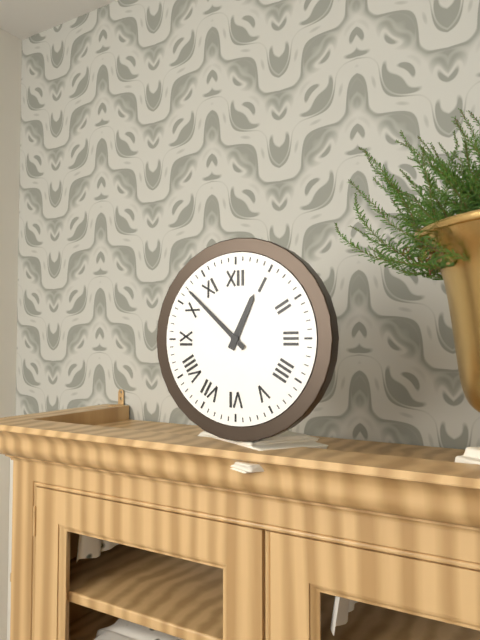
{"hour": 12, "minute": 52}
